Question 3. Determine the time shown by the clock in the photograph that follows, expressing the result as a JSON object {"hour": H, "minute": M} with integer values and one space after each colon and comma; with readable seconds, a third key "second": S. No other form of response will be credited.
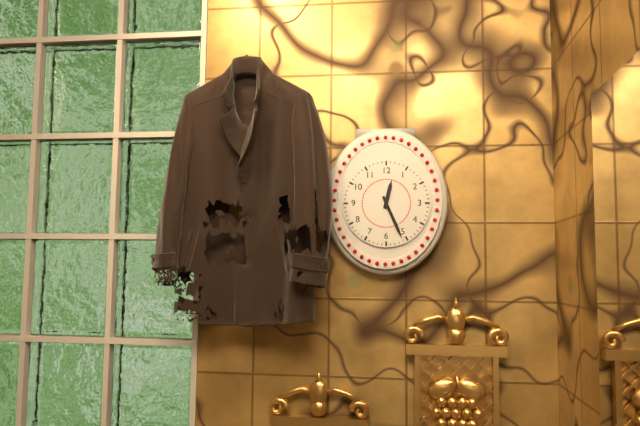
{"hour": 12, "minute": 26}
